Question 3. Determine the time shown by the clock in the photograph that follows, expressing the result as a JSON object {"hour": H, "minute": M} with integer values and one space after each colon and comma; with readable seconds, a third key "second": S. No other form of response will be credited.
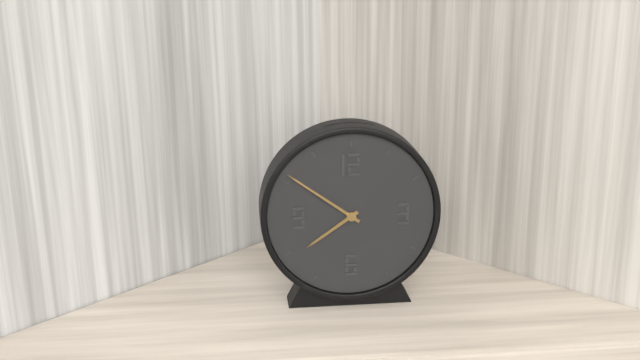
{"hour": 7, "minute": 51}
